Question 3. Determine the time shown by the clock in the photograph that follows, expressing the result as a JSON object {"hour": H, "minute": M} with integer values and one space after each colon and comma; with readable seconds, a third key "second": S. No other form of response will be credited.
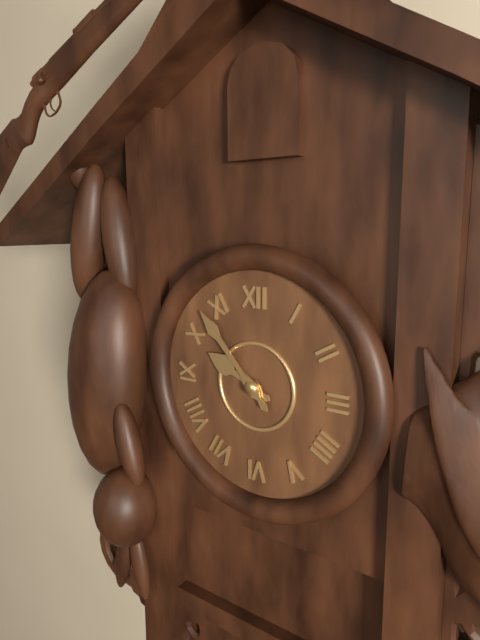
{"hour": 9, "minute": 53}
